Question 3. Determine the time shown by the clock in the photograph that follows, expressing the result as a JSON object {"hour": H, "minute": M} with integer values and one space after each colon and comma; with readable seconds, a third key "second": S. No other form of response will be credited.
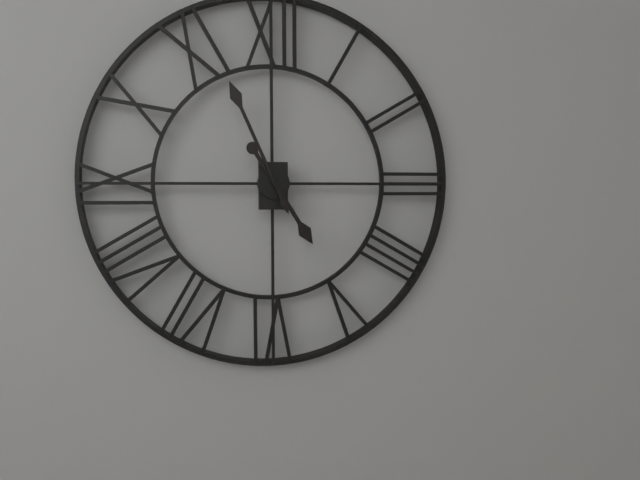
{"hour": 4, "minute": 56}
